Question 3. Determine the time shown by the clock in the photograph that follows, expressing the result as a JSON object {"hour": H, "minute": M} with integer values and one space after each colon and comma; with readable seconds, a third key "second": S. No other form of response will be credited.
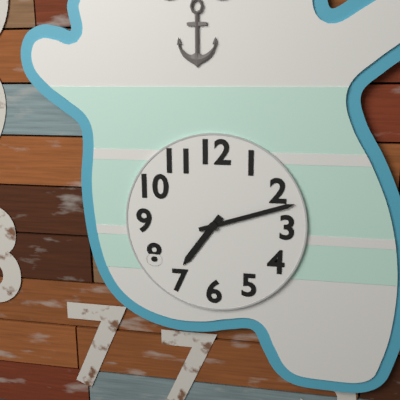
{"hour": 7, "minute": 12}
